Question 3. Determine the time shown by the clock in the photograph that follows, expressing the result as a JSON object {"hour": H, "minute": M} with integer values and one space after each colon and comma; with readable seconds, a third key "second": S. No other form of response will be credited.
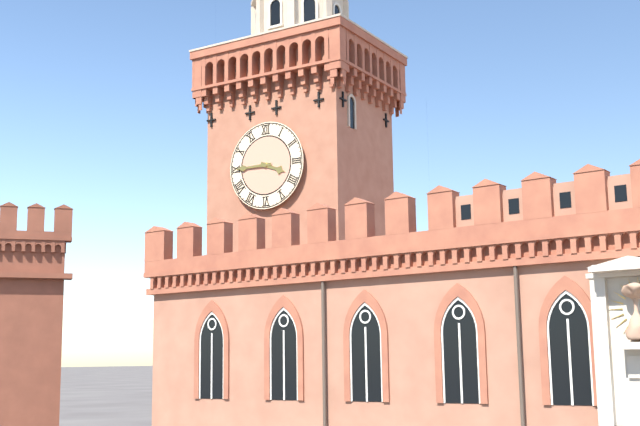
{"hour": 3, "minute": 45}
